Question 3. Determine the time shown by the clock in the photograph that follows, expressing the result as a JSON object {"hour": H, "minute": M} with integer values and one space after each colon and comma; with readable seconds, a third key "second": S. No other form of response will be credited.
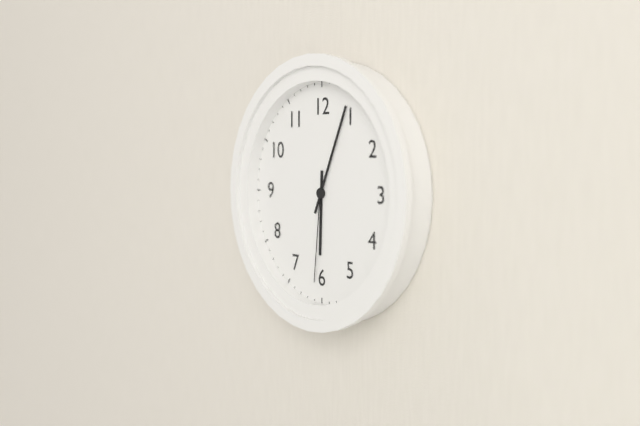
{"hour": 6, "minute": 4, "second": 31}
